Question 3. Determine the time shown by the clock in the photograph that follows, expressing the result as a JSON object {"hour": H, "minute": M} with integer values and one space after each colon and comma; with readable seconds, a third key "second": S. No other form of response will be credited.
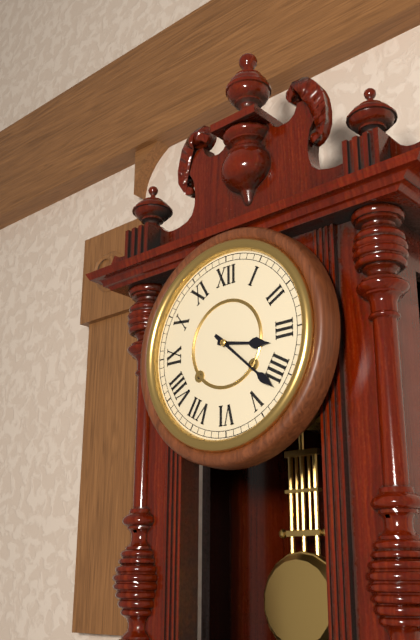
{"hour": 3, "minute": 22}
